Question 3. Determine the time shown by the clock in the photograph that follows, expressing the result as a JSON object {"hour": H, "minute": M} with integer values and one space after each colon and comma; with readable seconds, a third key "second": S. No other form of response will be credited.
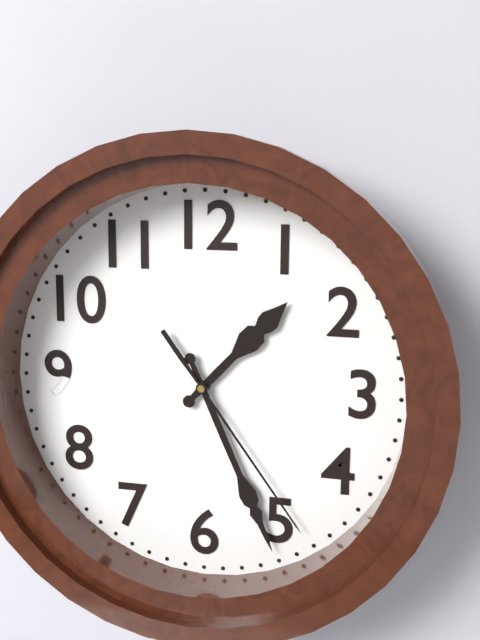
{"hour": 1, "minute": 26, "second": 24}
